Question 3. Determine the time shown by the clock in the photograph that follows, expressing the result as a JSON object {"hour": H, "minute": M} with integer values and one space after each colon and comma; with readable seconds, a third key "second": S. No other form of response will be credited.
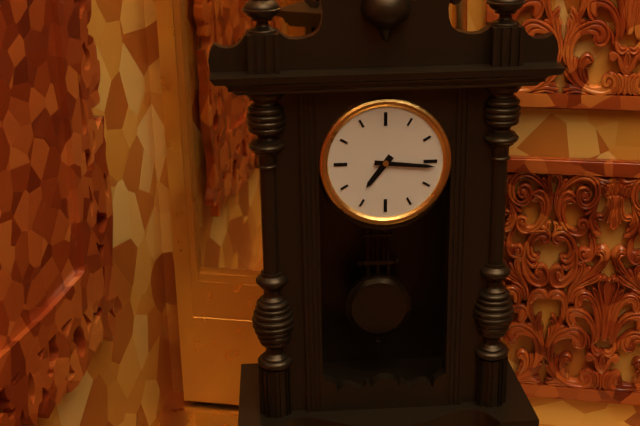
{"hour": 7, "minute": 16}
